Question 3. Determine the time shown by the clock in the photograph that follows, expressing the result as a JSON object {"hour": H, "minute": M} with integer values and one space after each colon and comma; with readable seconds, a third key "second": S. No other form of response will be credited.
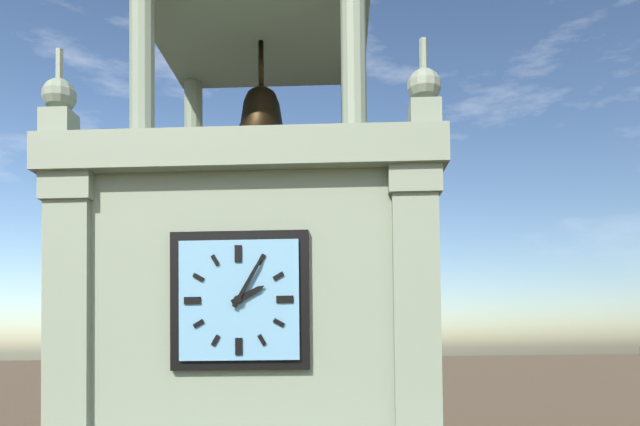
{"hour": 2, "minute": 5}
